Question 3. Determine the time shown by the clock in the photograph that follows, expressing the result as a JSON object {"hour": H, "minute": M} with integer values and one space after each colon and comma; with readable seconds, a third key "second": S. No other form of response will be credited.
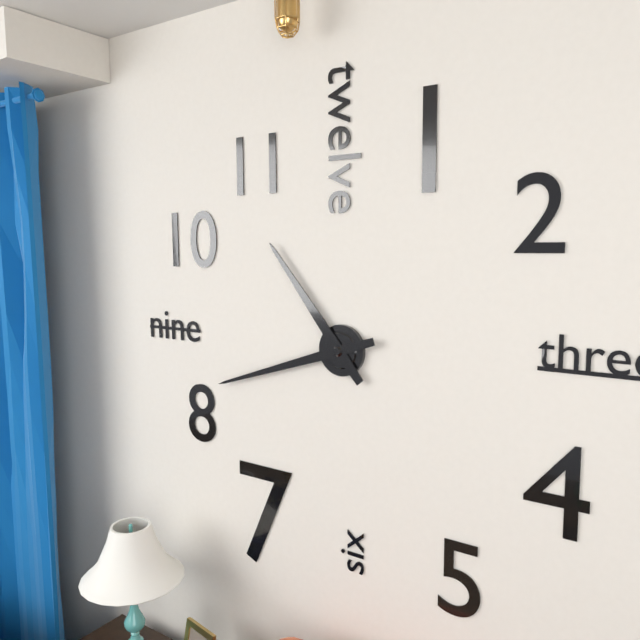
{"hour": 10, "minute": 42}
